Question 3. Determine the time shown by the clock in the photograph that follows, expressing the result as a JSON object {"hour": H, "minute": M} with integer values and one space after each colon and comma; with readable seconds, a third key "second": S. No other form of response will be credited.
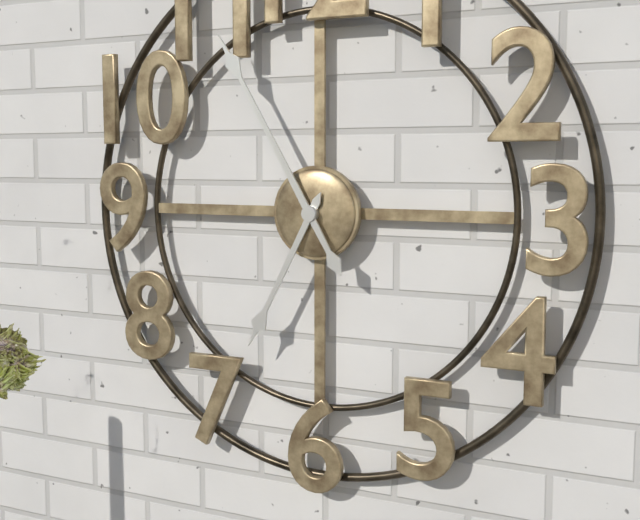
{"hour": 6, "minute": 55}
